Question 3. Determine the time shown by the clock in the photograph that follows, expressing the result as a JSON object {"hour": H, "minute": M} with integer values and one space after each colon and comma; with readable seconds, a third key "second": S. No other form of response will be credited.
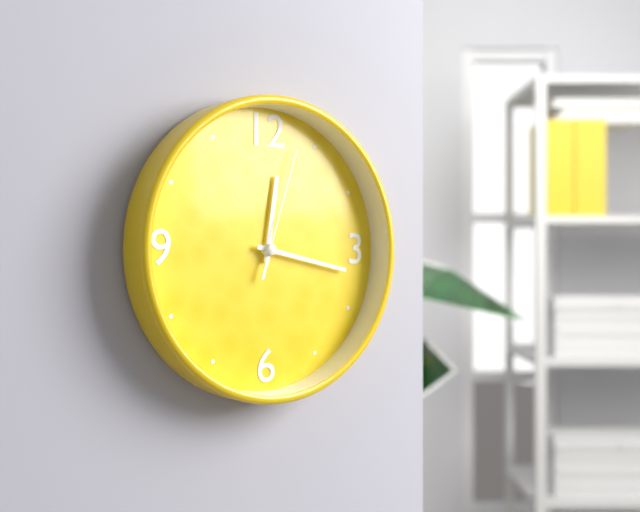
{"hour": 12, "minute": 17, "second": 3}
